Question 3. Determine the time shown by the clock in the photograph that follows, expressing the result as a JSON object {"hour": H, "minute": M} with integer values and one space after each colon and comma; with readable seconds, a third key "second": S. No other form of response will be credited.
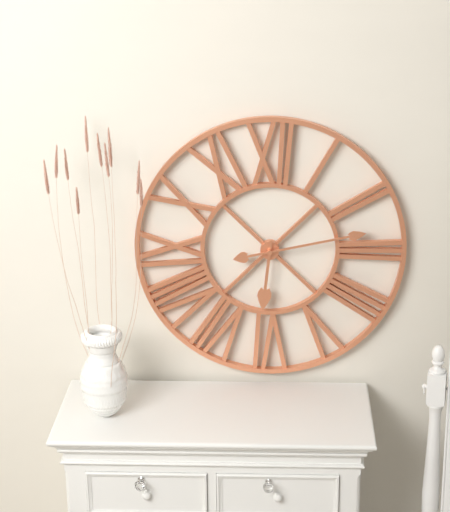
{"hour": 6, "minute": 13}
